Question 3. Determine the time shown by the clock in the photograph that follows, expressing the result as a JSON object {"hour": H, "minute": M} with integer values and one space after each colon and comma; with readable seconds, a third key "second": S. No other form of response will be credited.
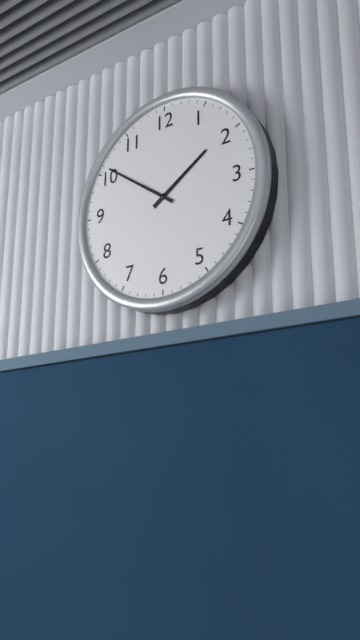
{"hour": 1, "minute": 51}
